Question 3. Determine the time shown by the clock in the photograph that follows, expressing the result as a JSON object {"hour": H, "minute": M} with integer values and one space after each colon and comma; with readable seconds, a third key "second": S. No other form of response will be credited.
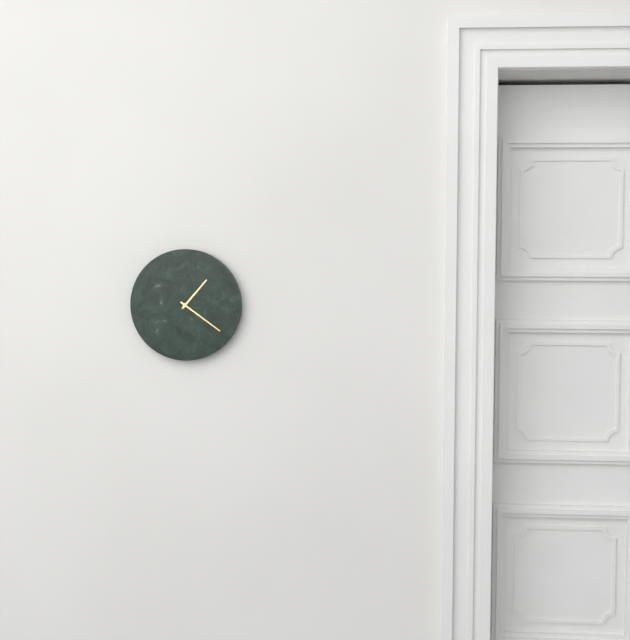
{"hour": 1, "minute": 21}
